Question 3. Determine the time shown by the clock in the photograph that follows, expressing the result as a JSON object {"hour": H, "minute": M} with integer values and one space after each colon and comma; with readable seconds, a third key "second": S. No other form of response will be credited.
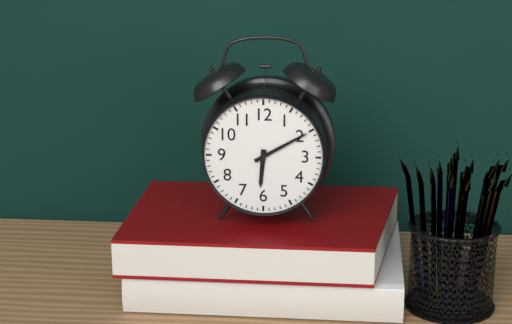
{"hour": 6, "minute": 10}
